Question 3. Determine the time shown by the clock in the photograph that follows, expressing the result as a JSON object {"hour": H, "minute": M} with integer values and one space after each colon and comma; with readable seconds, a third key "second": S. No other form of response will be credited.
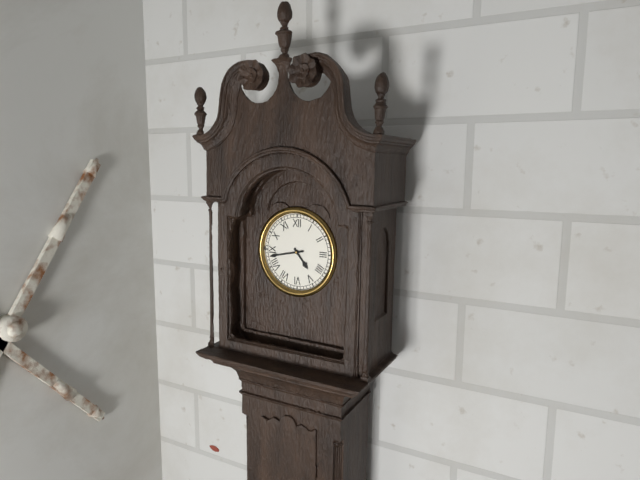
{"hour": 4, "minute": 43}
